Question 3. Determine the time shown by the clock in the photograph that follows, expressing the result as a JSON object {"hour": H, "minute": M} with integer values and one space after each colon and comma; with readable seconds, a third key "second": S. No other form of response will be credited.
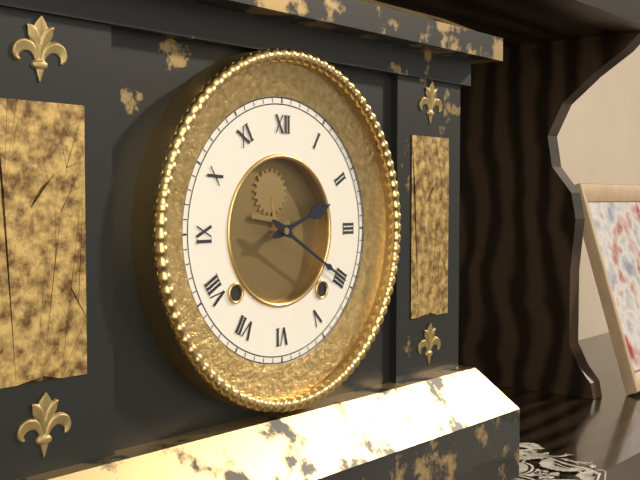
{"hour": 2, "minute": 20}
